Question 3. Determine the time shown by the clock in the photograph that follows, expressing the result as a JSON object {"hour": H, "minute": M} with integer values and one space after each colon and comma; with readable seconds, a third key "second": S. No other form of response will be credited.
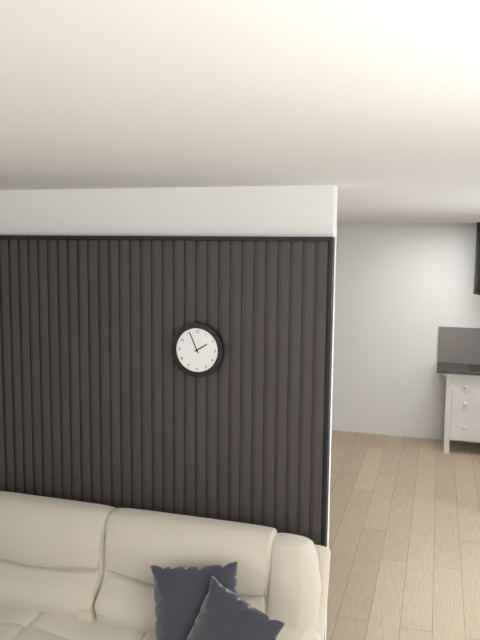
{"hour": 1, "minute": 56}
